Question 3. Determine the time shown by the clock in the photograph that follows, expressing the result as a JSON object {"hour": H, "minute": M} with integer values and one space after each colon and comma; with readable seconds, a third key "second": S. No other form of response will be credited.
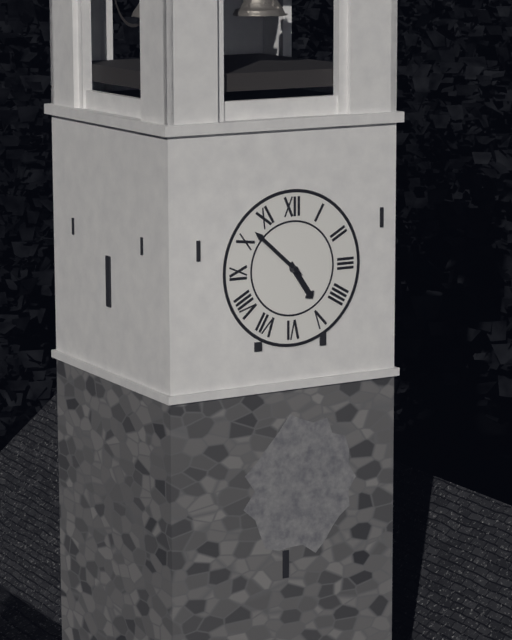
{"hour": 4, "minute": 52}
